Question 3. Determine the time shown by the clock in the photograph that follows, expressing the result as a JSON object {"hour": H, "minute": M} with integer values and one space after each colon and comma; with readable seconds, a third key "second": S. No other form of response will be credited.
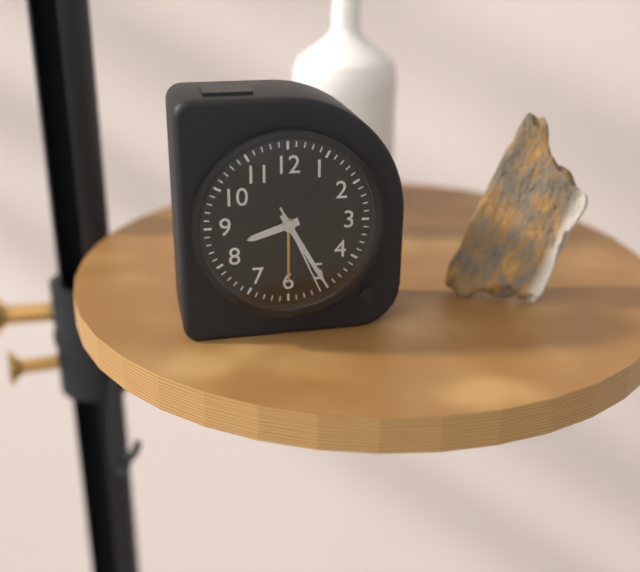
{"hour": 8, "minute": 25, "second": 26}
